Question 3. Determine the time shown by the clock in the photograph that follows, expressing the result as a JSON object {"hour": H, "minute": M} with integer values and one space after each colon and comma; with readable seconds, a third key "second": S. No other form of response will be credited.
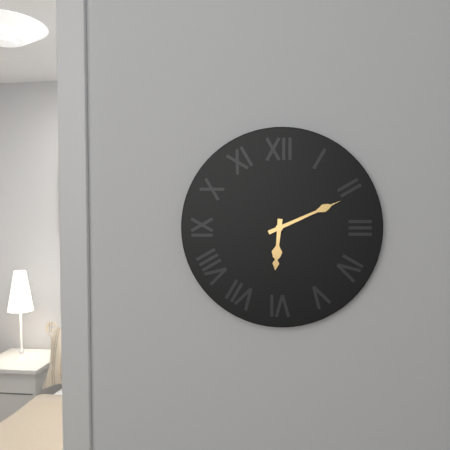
{"hour": 6, "minute": 11}
